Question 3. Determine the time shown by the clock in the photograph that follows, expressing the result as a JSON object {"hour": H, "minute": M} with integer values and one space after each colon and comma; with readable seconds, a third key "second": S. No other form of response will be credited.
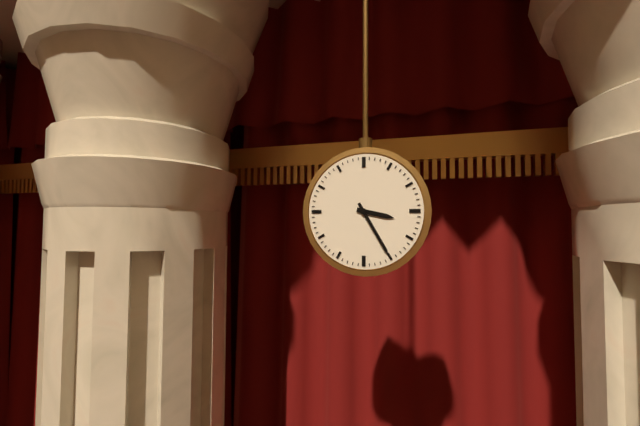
{"hour": 3, "minute": 25}
